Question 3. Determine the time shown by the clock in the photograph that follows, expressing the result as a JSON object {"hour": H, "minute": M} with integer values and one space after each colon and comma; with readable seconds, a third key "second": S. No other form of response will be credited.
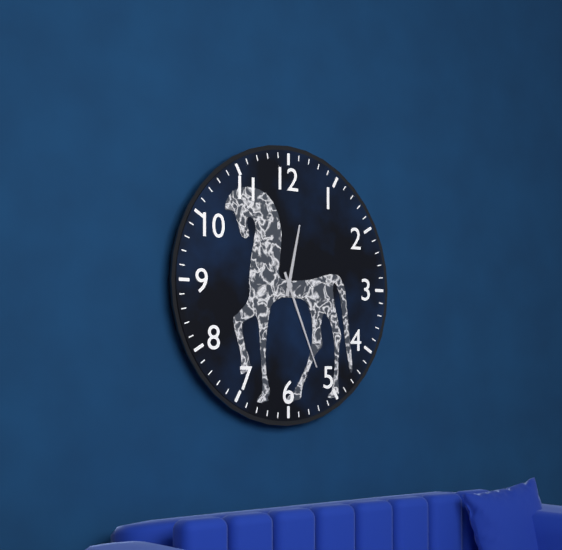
{"hour": 12, "minute": 26}
